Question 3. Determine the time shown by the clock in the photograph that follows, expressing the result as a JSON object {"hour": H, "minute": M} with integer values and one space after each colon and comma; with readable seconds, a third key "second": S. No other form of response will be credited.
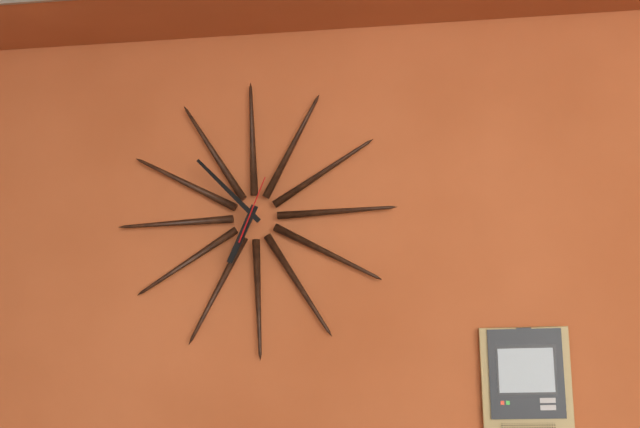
{"hour": 6, "minute": 53}
